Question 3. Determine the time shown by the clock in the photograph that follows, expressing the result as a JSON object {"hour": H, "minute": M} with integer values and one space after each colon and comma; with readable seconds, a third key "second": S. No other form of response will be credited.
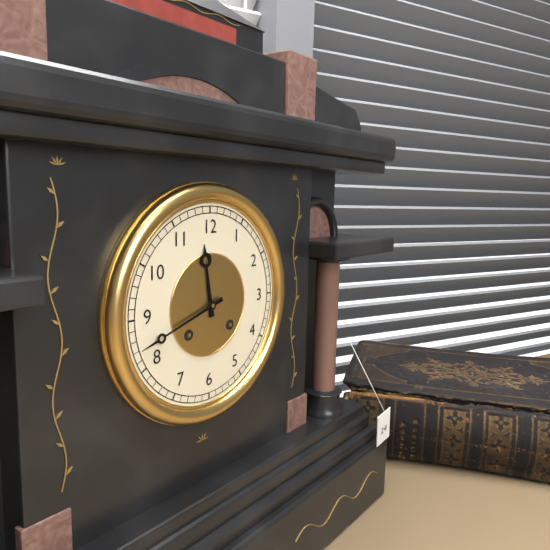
{"hour": 11, "minute": 42}
